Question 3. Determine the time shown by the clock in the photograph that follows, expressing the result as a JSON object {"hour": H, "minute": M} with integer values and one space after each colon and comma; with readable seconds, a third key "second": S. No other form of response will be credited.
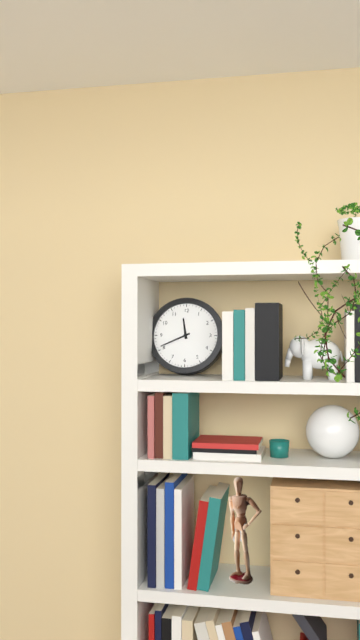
{"hour": 11, "minute": 41}
